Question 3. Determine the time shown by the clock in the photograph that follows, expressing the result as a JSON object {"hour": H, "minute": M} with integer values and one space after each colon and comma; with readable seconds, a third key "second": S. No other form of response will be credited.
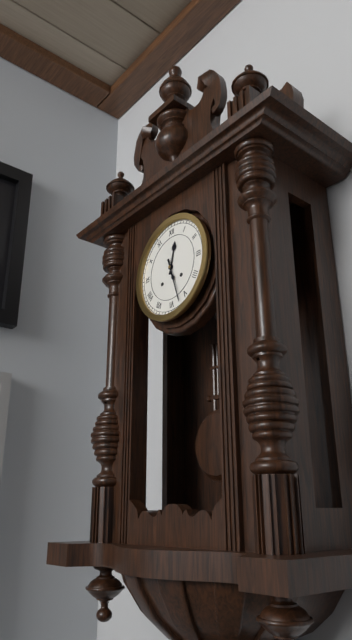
{"hour": 12, "minute": 27}
